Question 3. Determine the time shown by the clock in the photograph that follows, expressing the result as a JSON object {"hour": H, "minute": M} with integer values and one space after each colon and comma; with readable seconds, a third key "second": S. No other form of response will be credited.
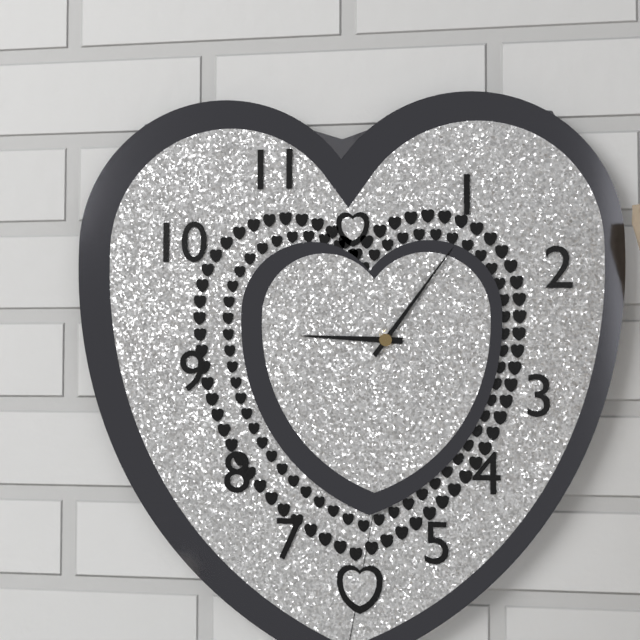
{"hour": 9, "minute": 6}
